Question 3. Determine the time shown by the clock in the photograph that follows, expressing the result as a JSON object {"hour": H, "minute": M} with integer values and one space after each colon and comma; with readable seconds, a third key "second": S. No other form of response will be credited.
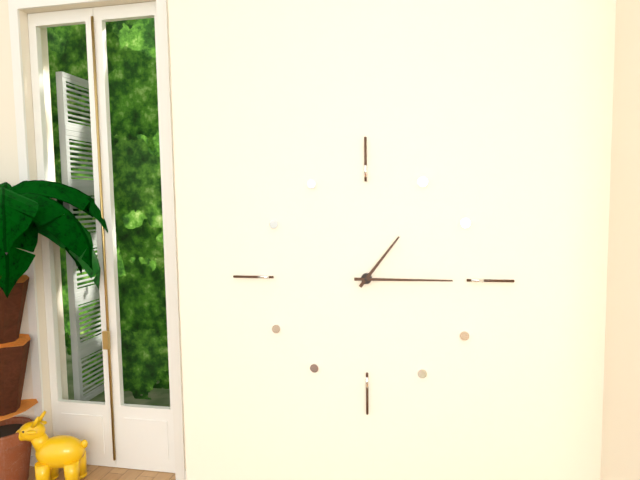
{"hour": 1, "minute": 15}
